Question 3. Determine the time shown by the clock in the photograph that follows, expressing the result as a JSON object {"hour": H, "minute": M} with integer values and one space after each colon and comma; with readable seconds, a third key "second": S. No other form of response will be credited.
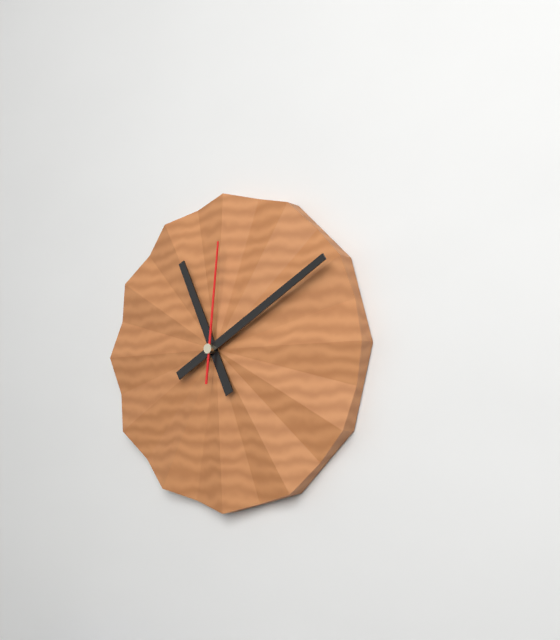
{"hour": 11, "minute": 10, "second": 1}
